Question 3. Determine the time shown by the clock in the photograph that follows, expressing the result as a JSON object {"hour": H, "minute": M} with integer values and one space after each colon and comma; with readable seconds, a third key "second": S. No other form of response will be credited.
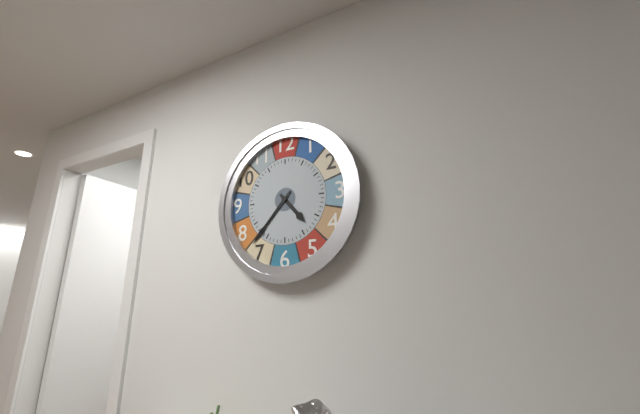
{"hour": 4, "minute": 37}
